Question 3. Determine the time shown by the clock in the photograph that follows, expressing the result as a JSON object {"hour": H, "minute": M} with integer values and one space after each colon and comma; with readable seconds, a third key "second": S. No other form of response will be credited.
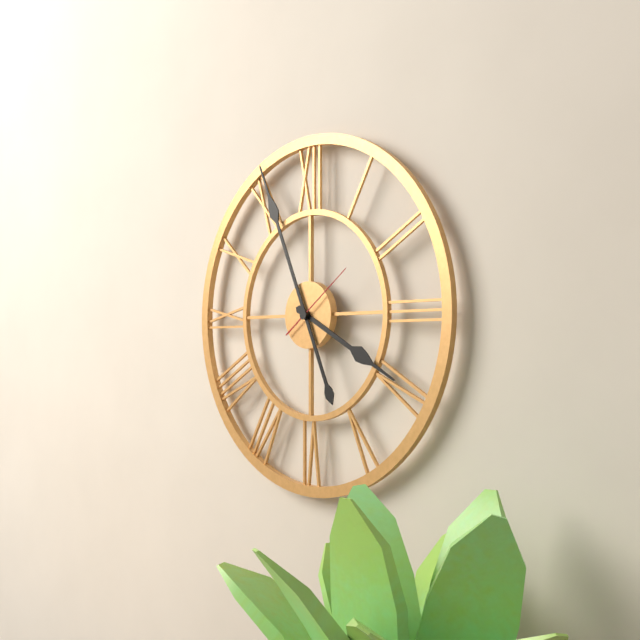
{"hour": 3, "minute": 56, "second": 9}
